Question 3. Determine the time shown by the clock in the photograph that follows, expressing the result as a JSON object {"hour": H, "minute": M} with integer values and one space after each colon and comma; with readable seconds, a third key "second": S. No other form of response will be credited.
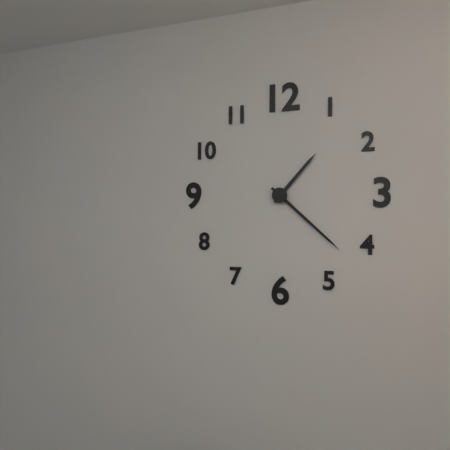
{"hour": 1, "minute": 22}
